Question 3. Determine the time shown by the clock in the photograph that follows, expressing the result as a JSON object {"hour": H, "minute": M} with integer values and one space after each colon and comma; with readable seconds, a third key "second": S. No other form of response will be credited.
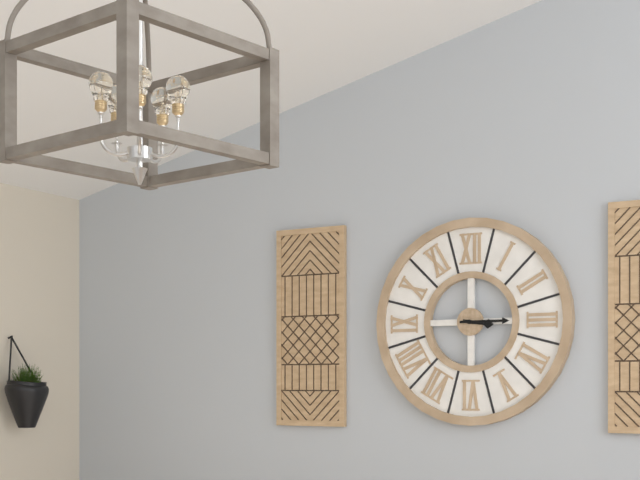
{"hour": 3, "minute": 15}
